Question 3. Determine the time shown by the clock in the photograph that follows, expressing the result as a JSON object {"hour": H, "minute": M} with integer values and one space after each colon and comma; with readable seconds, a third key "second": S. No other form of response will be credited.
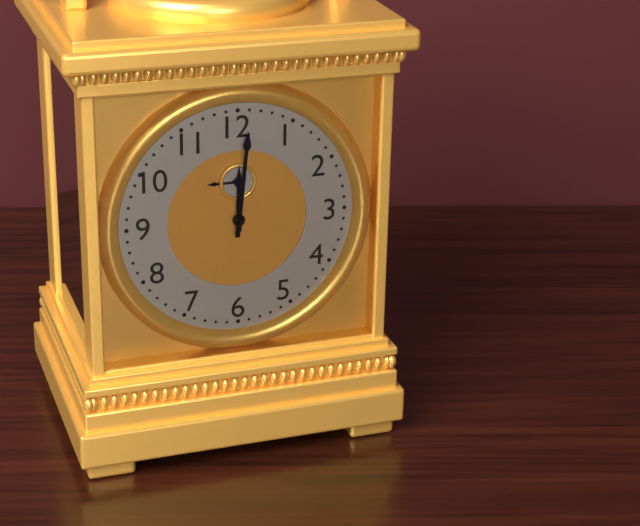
{"hour": 12, "minute": 1}
